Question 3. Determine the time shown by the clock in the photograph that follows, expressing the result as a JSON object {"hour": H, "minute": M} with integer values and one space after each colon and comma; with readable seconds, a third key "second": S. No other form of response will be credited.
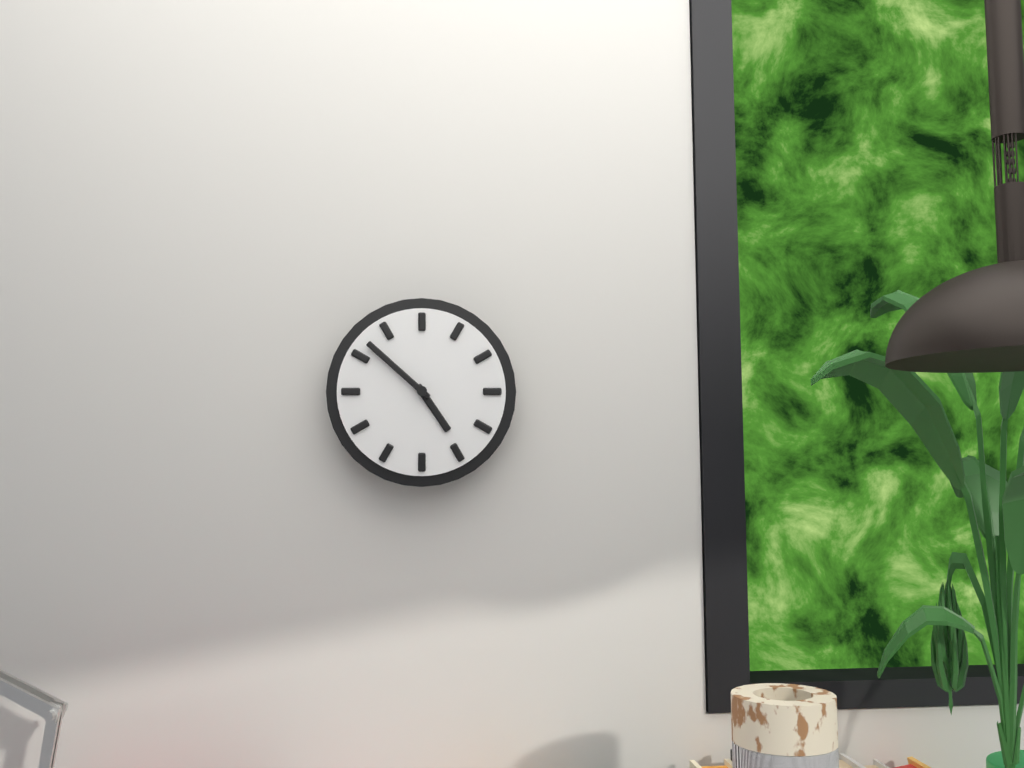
{"hour": 4, "minute": 52}
